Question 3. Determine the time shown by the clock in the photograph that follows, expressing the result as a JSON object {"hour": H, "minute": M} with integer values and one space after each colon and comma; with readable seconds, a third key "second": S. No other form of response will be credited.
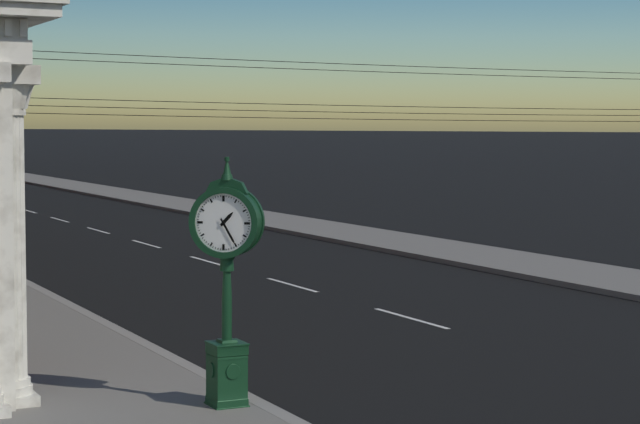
{"hour": 1, "minute": 25}
